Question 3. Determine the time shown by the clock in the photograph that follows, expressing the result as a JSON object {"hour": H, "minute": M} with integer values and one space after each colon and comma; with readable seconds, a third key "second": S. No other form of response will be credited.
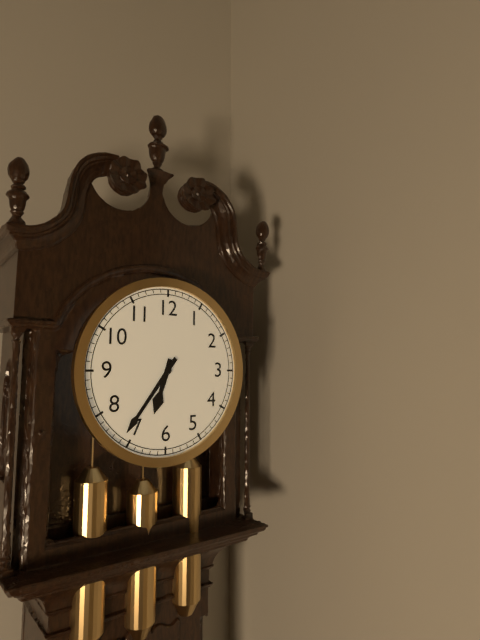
{"hour": 6, "minute": 36}
